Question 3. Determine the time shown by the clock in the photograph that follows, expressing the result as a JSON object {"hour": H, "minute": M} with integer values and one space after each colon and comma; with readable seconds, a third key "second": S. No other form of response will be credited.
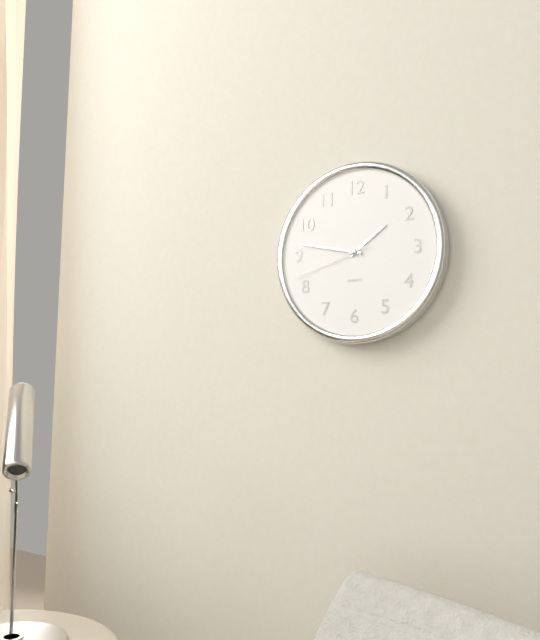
{"hour": 1, "minute": 47, "second": 42}
